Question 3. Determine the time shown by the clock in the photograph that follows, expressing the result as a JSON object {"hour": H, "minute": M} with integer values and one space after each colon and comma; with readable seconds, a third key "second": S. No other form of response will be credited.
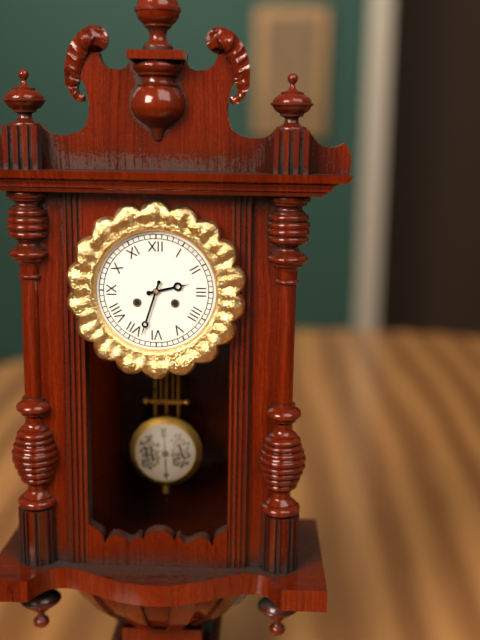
{"hour": 2, "minute": 33}
